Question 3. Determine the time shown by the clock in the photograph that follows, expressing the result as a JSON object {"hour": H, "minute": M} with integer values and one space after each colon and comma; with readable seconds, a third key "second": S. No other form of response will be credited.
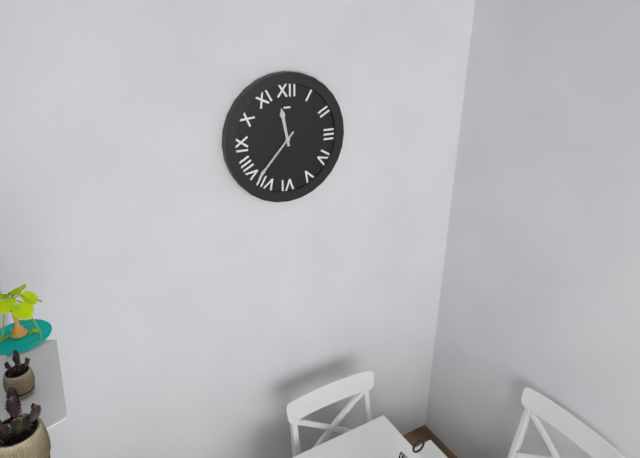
{"hour": 11, "minute": 37}
